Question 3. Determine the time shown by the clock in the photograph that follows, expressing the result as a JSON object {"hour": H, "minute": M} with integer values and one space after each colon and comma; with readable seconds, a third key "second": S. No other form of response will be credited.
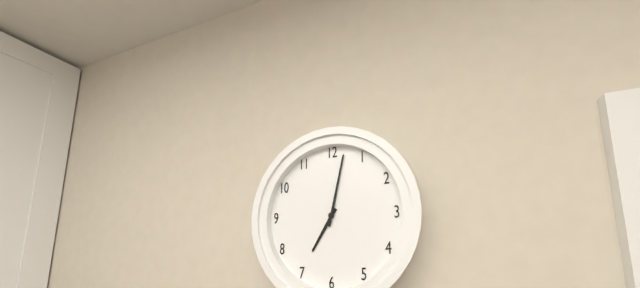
{"hour": 7, "minute": 2}
